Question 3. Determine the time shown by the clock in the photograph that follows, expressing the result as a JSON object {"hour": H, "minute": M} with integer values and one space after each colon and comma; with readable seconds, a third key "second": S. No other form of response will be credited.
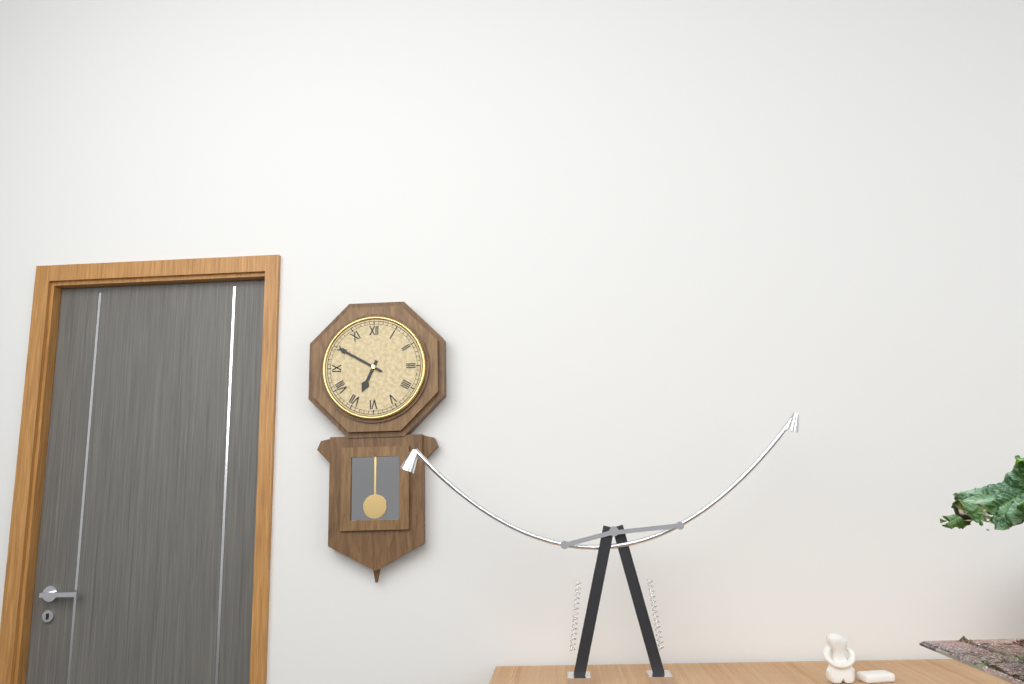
{"hour": 6, "minute": 50}
